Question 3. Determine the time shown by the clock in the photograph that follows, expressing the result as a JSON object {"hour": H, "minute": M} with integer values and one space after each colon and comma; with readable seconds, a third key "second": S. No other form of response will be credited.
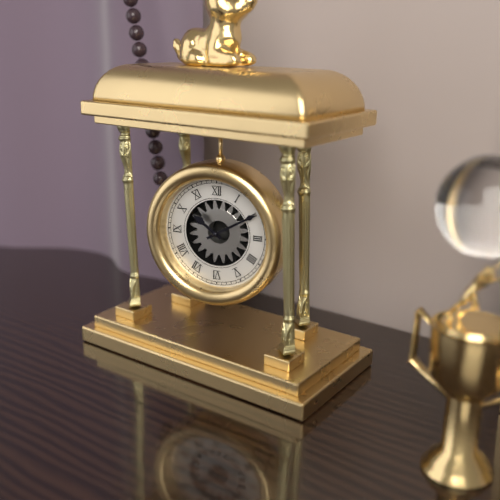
{"hour": 10, "minute": 10}
